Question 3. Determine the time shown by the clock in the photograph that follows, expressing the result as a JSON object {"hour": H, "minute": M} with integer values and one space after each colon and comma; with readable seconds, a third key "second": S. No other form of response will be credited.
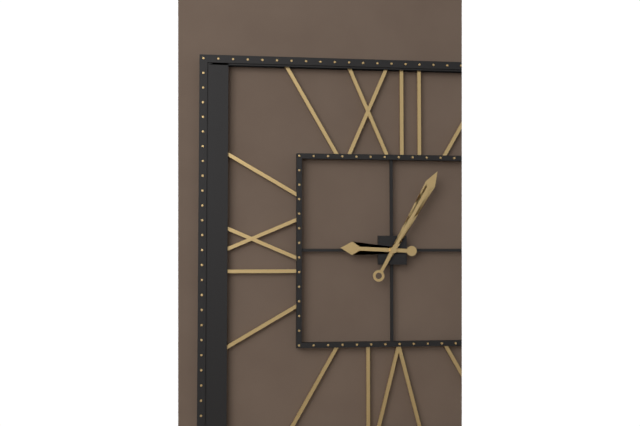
{"hour": 9, "minute": 5}
